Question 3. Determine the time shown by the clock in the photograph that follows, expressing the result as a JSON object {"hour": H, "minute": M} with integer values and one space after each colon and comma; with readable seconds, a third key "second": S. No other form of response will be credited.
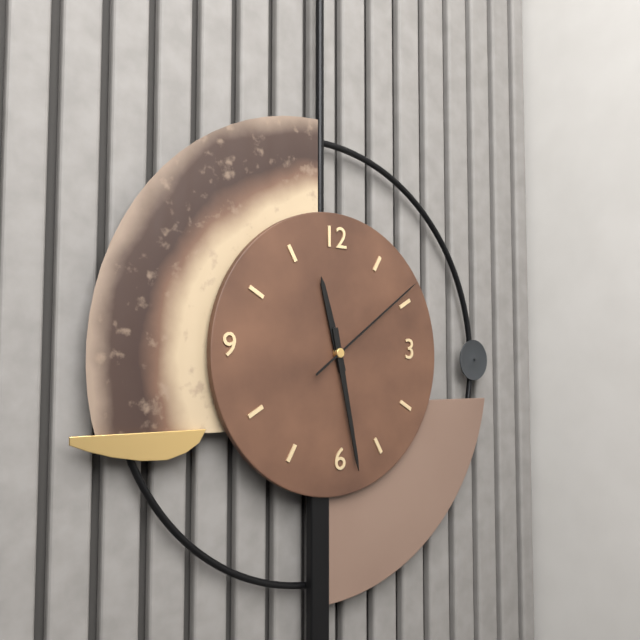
{"hour": 11, "minute": 28, "second": 9}
